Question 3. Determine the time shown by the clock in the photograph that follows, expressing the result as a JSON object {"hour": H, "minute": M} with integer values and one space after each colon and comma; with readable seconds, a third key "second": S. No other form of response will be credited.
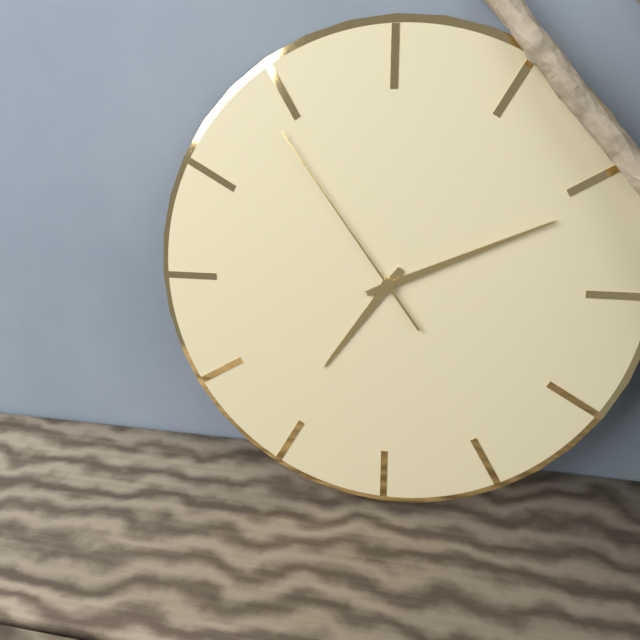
{"hour": 7, "minute": 11, "second": 54}
